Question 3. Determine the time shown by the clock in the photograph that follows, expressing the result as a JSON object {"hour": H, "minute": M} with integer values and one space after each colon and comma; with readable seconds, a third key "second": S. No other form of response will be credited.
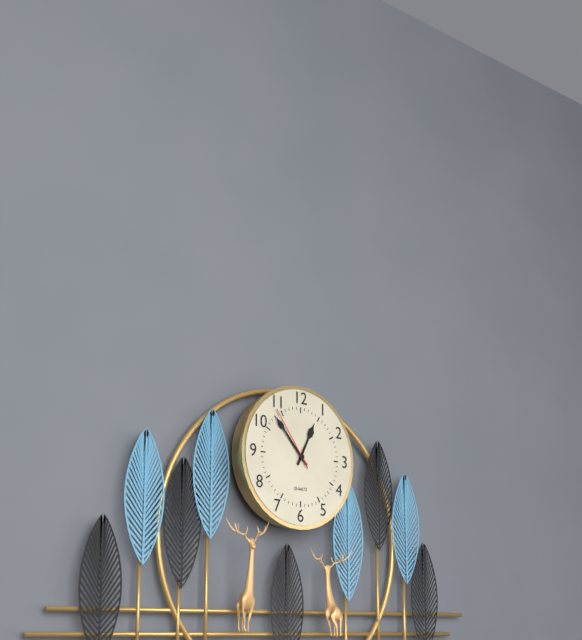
{"hour": 12, "minute": 53, "second": 54}
